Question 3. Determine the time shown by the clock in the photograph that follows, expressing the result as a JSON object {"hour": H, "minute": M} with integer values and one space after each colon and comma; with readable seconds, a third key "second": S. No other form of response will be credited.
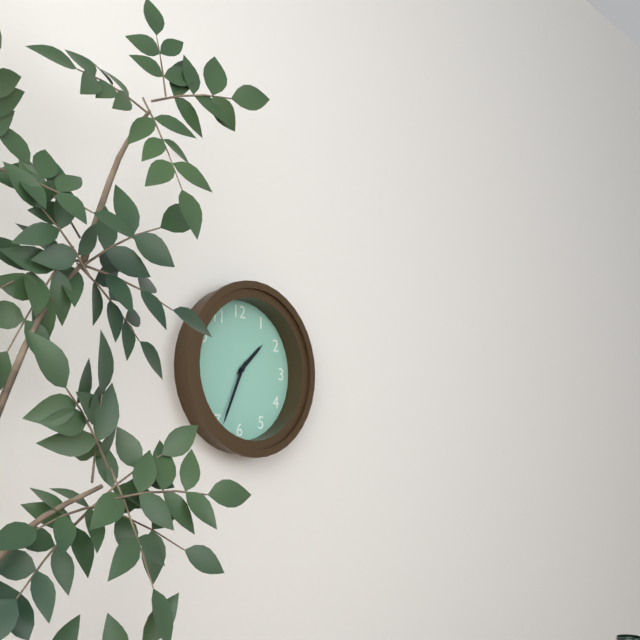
{"hour": 1, "minute": 34}
